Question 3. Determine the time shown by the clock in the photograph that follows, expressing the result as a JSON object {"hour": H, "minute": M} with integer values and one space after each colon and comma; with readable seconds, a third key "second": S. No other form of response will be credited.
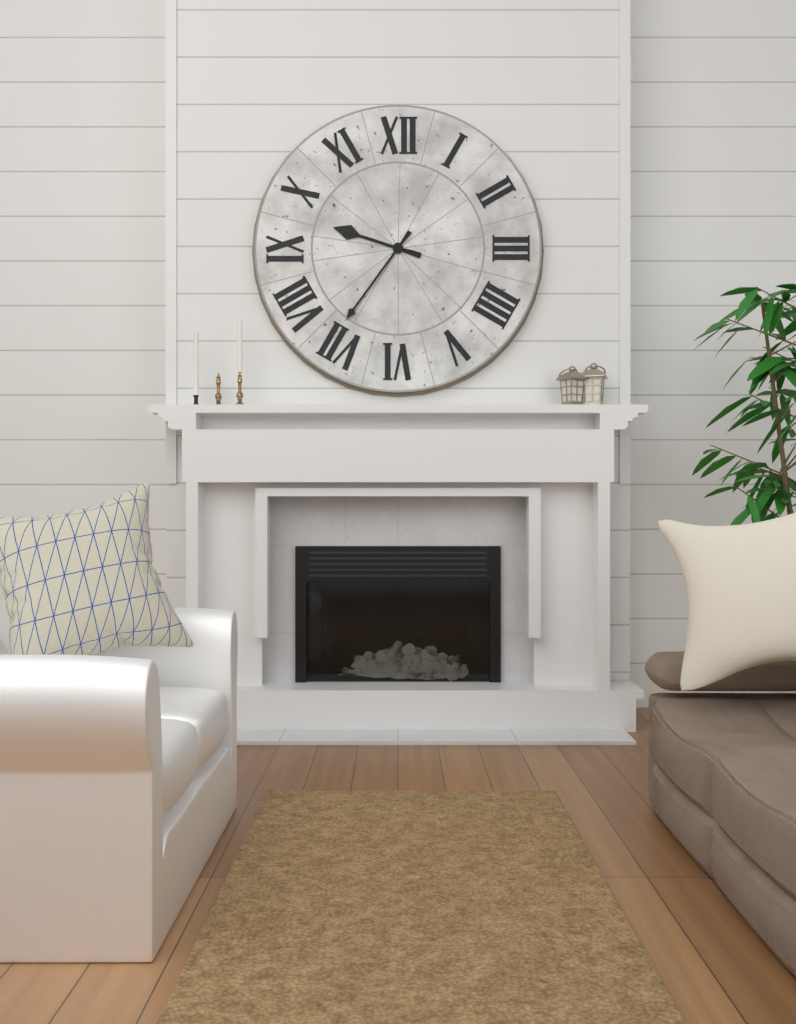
{"hour": 9, "minute": 36}
